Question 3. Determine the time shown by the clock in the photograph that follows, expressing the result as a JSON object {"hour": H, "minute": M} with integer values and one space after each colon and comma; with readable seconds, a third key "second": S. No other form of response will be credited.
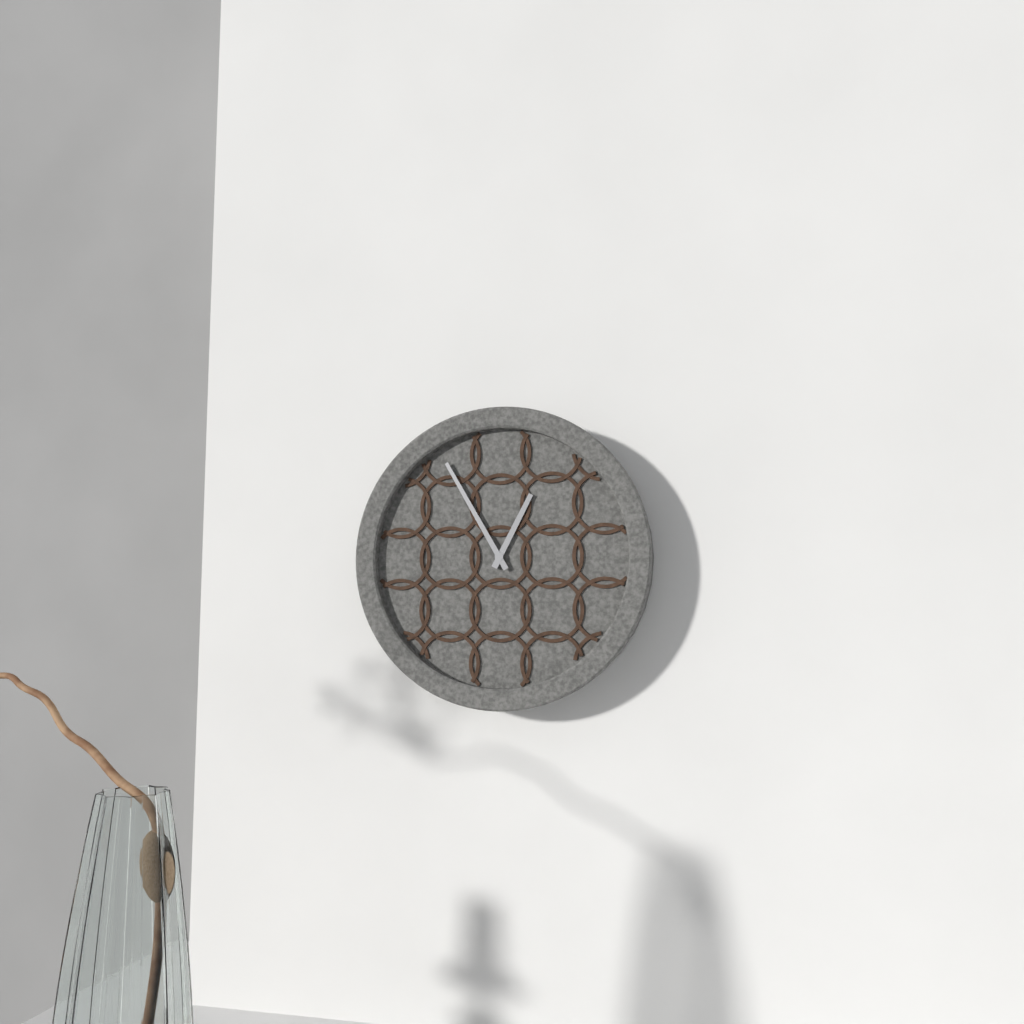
{"hour": 12, "minute": 55}
